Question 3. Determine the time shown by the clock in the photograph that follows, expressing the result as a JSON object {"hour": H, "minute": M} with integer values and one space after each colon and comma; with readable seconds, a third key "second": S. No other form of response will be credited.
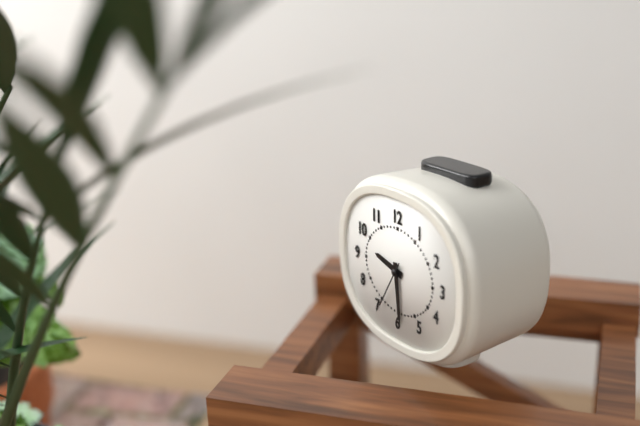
{"hour": 9, "minute": 29}
